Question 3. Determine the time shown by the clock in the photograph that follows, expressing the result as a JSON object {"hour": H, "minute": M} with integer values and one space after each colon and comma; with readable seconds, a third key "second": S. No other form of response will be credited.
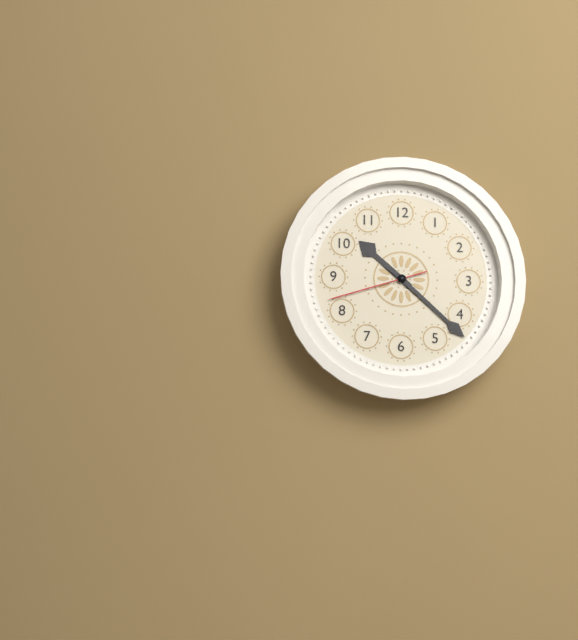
{"hour": 10, "minute": 22, "second": 42}
